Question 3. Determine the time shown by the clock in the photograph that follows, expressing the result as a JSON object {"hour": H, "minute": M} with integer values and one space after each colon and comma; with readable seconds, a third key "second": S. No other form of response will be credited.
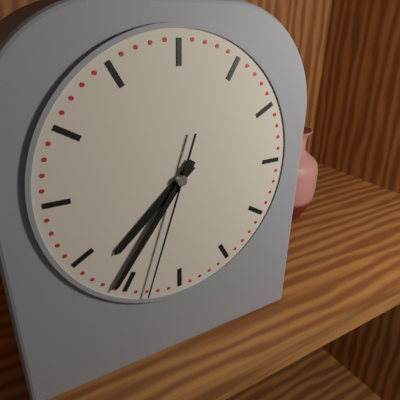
{"hour": 7, "minute": 36, "second": 33}
